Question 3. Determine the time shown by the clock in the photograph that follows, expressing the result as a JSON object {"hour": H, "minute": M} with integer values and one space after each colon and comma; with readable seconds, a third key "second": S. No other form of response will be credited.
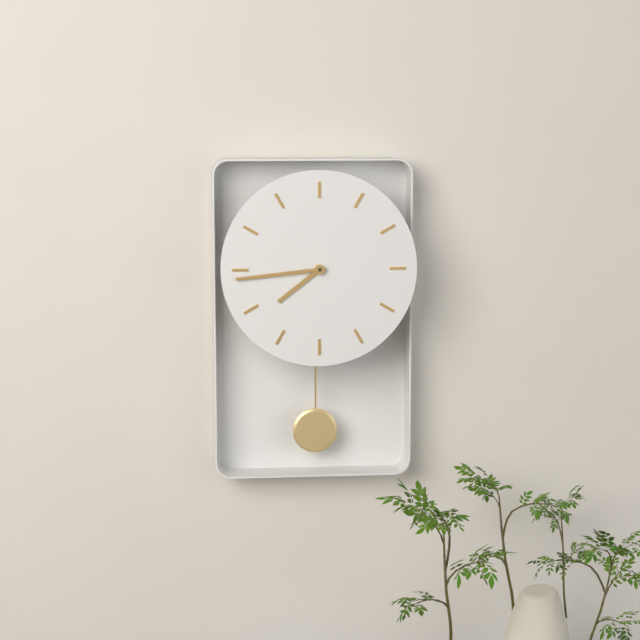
{"hour": 7, "minute": 44}
